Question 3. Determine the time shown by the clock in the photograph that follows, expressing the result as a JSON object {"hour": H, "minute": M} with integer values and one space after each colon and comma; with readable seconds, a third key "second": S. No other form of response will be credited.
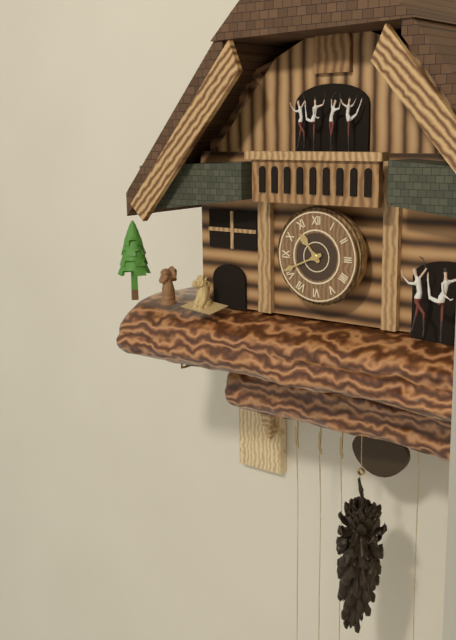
{"hour": 10, "minute": 41}
